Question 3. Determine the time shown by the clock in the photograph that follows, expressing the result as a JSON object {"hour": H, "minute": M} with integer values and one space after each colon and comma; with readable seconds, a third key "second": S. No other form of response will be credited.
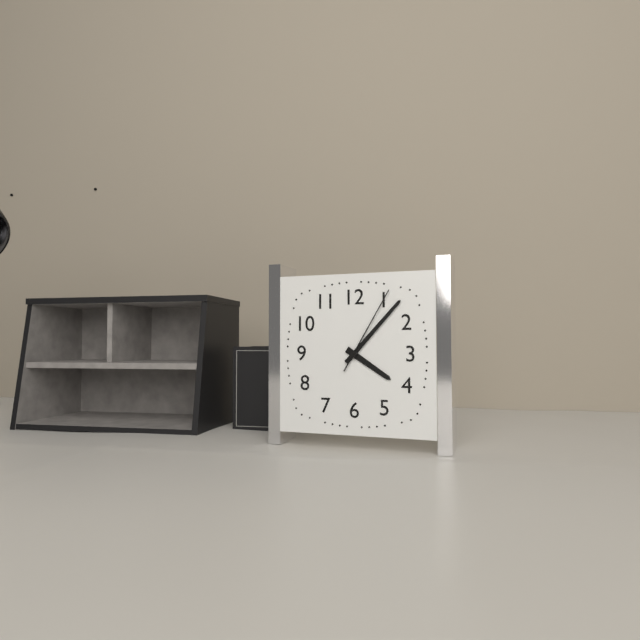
{"hour": 4, "minute": 7, "second": 5}
